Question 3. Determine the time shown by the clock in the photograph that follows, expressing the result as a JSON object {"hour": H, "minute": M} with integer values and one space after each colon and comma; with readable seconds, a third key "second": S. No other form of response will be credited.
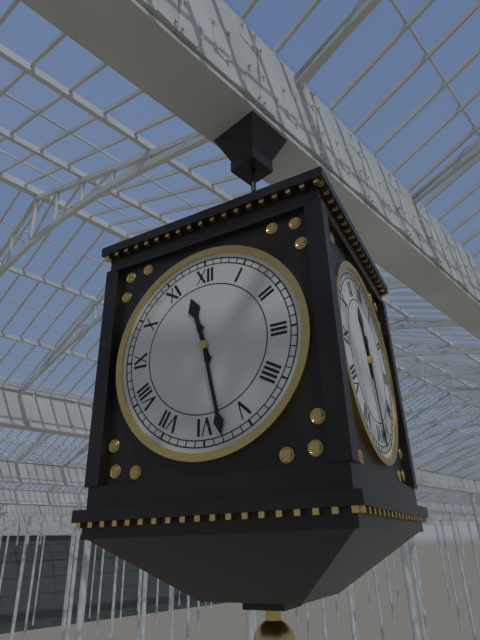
{"hour": 11, "minute": 28}
